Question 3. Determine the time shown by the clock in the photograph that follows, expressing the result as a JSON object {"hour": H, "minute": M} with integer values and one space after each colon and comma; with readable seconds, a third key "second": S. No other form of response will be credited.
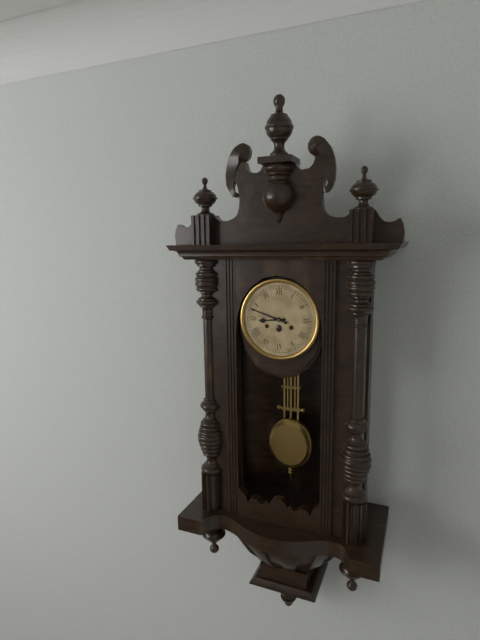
{"hour": 8, "minute": 48}
